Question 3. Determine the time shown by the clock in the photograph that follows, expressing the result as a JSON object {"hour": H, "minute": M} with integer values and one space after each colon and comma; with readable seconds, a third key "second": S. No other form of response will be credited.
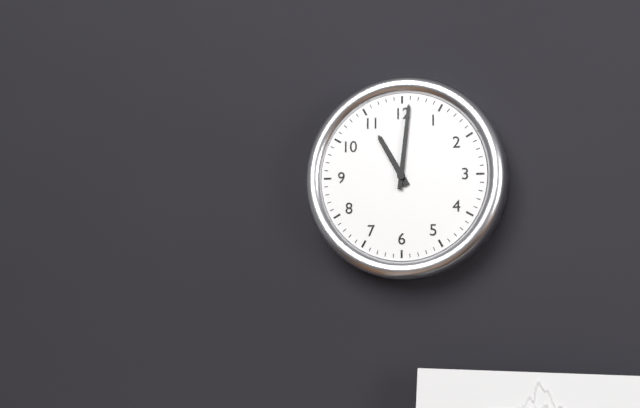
{"hour": 11, "minute": 1}
